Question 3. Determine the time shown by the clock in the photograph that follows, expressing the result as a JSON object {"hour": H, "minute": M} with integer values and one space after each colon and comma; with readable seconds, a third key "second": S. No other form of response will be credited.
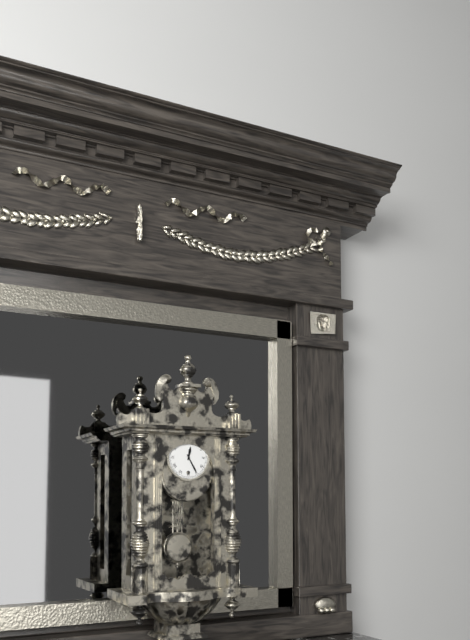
{"hour": 12, "minute": 25}
